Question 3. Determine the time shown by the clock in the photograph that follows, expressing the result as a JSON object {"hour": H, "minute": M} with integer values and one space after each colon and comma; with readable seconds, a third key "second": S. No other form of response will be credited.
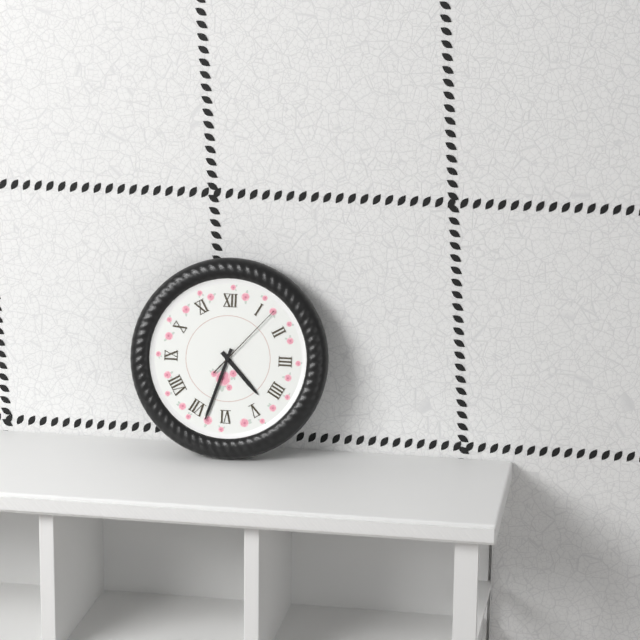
{"hour": 4, "minute": 33, "second": 7}
